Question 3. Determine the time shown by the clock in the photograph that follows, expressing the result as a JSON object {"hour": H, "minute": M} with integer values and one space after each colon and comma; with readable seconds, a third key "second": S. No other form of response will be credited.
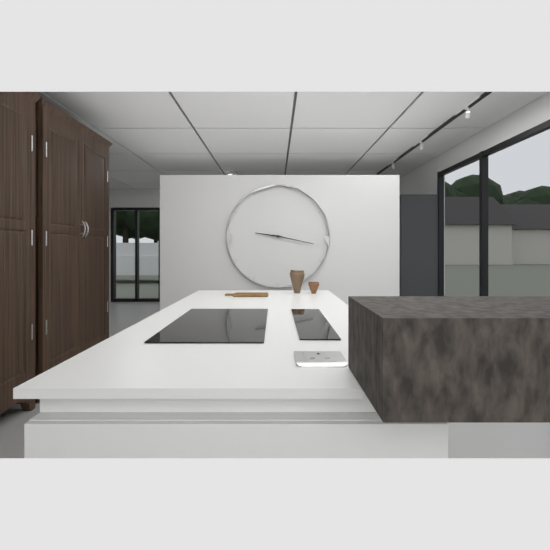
{"hour": 9, "minute": 17}
